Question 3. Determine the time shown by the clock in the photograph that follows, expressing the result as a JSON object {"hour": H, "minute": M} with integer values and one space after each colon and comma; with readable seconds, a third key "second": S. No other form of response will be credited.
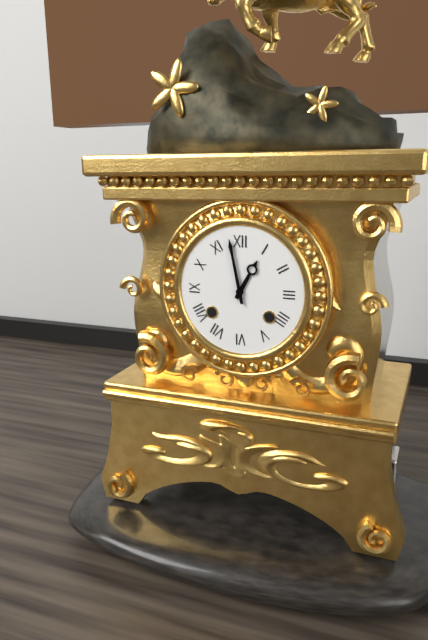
{"hour": 12, "minute": 58}
